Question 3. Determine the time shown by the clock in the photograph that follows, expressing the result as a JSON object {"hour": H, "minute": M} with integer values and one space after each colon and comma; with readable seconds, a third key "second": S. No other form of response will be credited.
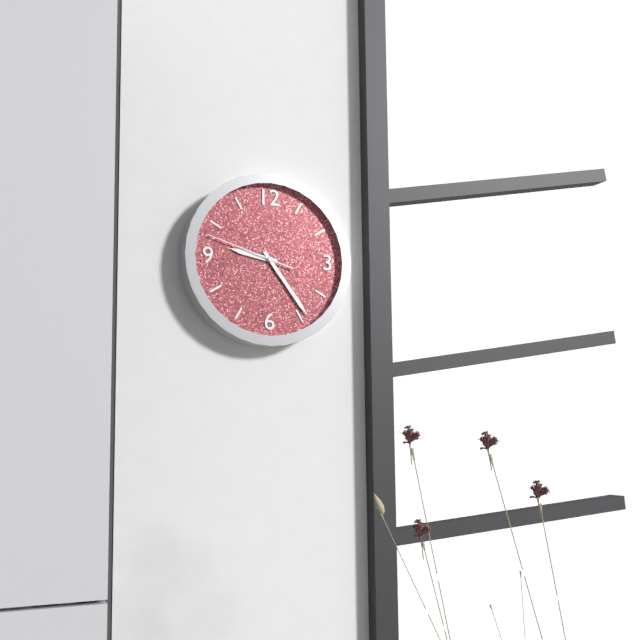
{"hour": 9, "minute": 24, "second": 48}
